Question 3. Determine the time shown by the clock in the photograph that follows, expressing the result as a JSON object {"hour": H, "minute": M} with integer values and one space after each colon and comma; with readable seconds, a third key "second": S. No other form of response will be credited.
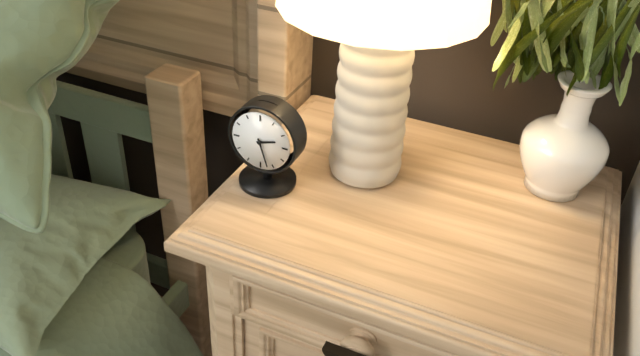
{"hour": 2, "minute": 27}
